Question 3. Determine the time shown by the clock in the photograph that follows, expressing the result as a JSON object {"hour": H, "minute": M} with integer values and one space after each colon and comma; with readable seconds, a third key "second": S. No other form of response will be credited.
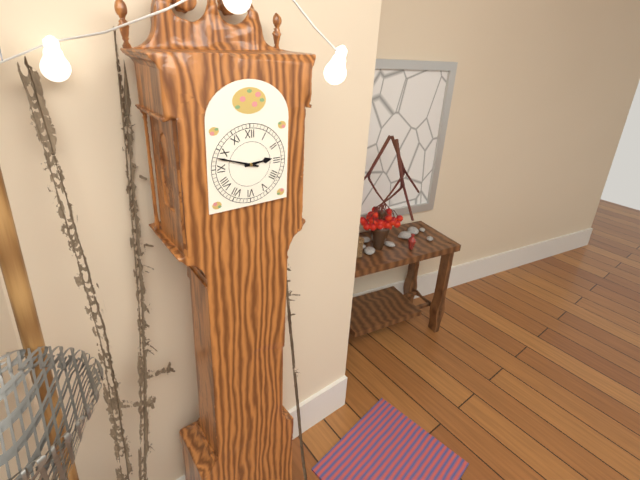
{"hour": 2, "minute": 48}
